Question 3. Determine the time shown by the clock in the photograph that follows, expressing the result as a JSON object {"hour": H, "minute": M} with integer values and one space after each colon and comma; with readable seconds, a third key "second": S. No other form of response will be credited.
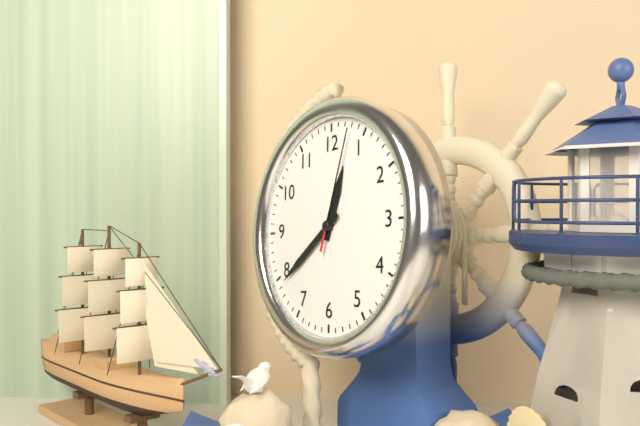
{"hour": 12, "minute": 39, "second": 3}
